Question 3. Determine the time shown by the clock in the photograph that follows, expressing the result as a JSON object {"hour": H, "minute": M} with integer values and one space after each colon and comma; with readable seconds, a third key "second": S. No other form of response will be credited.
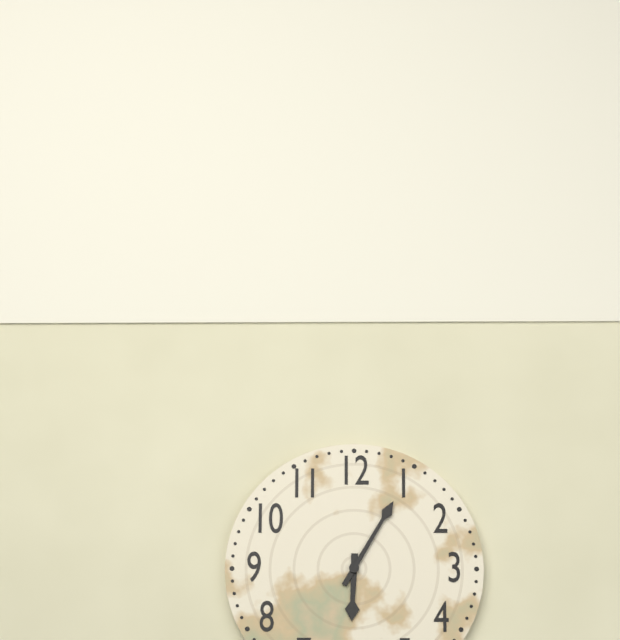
{"hour": 6, "minute": 5}
